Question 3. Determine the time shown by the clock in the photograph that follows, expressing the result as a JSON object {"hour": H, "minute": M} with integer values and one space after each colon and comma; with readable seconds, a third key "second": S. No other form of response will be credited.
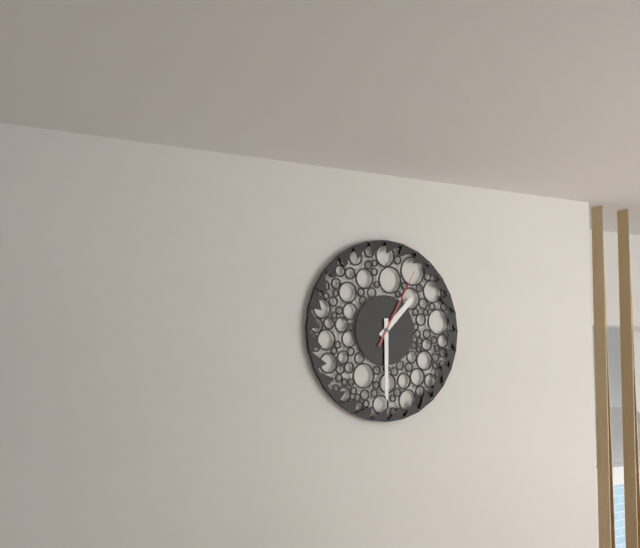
{"hour": 1, "minute": 30, "second": 5}
